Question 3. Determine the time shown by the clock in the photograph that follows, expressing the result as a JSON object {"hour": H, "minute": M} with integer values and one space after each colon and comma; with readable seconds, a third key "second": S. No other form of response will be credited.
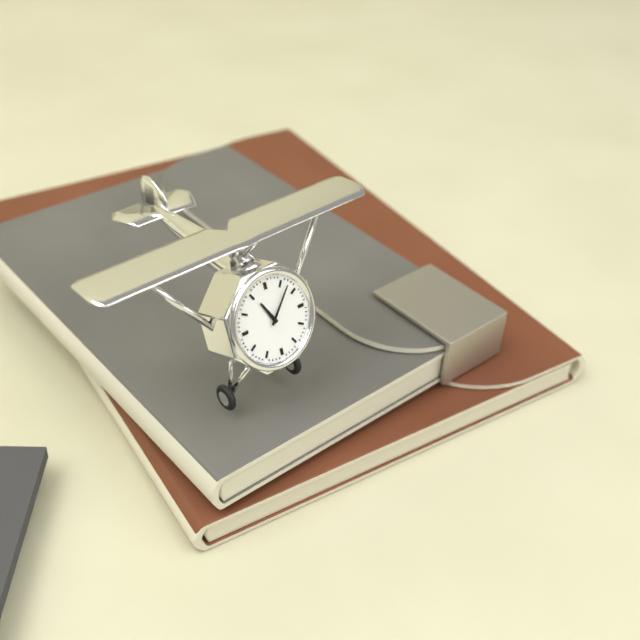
{"hour": 11, "minute": 7}
